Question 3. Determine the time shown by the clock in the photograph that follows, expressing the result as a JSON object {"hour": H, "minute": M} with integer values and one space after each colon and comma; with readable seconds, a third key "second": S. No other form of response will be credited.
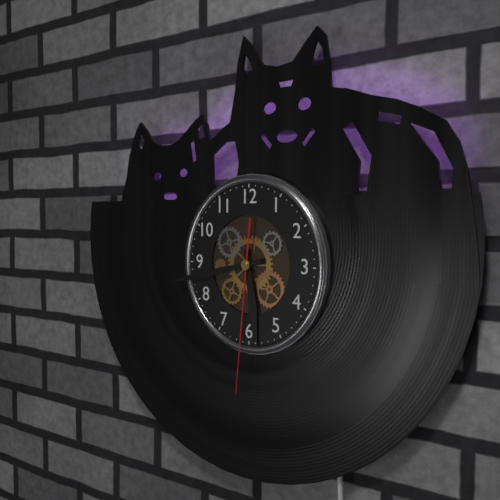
{"hour": 5, "minute": 43, "second": 31}
